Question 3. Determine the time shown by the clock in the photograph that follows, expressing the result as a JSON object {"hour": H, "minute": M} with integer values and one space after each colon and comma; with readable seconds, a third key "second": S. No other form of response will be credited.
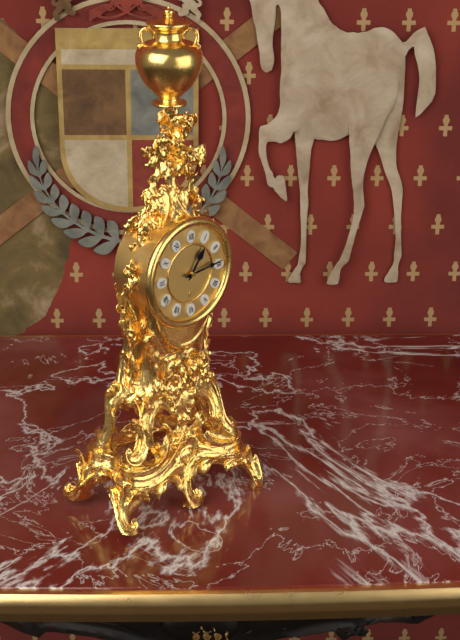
{"hour": 1, "minute": 14}
